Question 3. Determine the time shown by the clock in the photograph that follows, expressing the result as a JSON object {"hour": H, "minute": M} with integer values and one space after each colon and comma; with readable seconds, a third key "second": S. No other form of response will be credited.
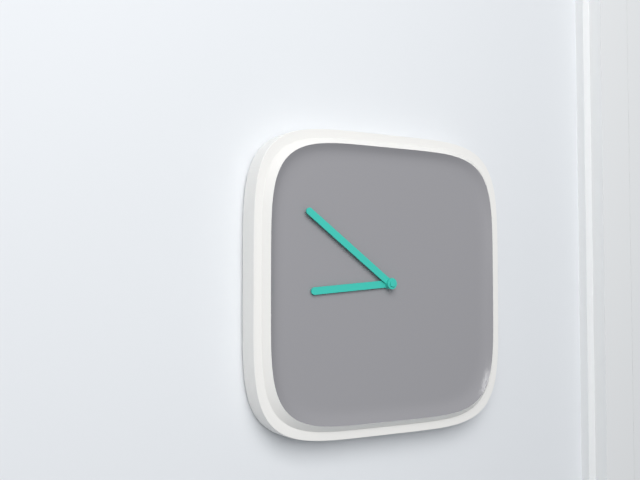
{"hour": 8, "minute": 51}
